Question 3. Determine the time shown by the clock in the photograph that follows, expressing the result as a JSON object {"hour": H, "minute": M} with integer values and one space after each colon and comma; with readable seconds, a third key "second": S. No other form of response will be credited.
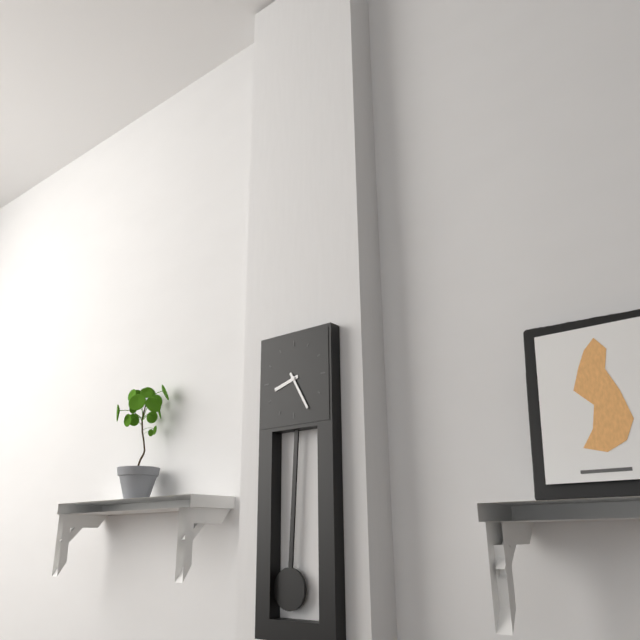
{"hour": 8, "minute": 25}
